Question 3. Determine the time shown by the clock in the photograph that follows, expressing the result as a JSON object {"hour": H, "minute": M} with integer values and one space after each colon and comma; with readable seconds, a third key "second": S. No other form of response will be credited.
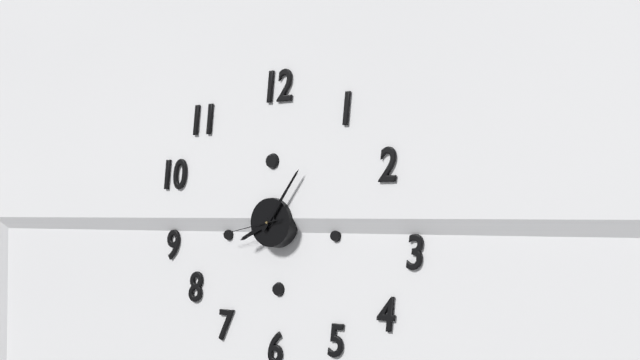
{"hour": 8, "minute": 6, "second": 43}
